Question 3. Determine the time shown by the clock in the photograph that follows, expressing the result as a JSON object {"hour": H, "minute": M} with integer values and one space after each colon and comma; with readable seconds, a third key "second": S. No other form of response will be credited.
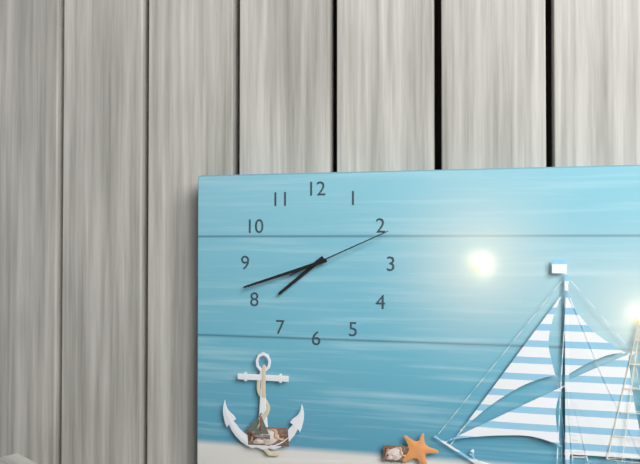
{"hour": 7, "minute": 42, "second": 11}
